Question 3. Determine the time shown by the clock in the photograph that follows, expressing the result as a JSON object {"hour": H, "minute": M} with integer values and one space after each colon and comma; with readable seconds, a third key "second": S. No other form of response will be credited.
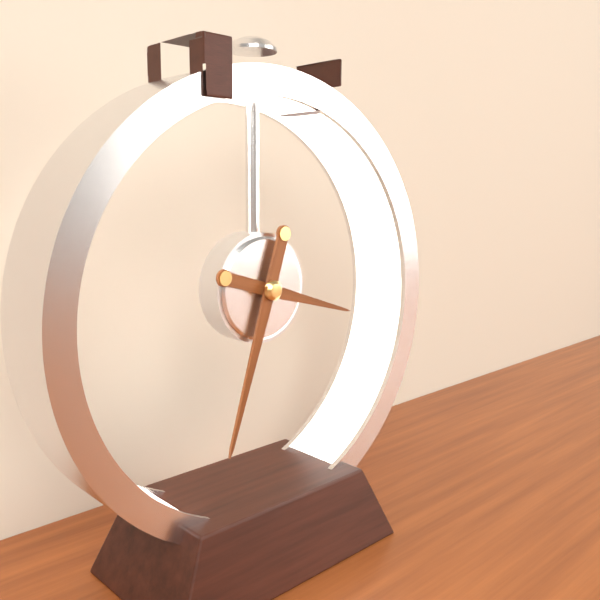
{"hour": 3, "minute": 33}
